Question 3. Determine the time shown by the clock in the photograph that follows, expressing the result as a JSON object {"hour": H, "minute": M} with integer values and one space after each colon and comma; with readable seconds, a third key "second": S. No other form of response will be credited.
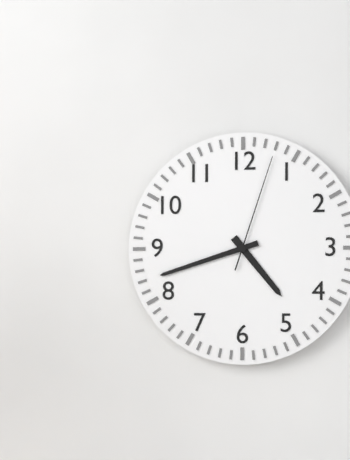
{"hour": 4, "minute": 42, "second": 3}
